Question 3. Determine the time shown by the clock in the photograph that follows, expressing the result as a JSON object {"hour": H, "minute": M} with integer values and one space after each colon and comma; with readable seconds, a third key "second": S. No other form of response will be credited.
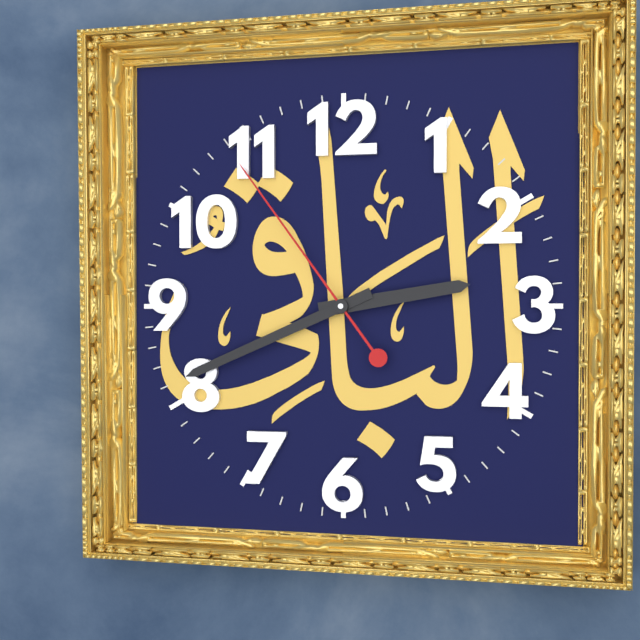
{"hour": 2, "minute": 41, "second": 54}
